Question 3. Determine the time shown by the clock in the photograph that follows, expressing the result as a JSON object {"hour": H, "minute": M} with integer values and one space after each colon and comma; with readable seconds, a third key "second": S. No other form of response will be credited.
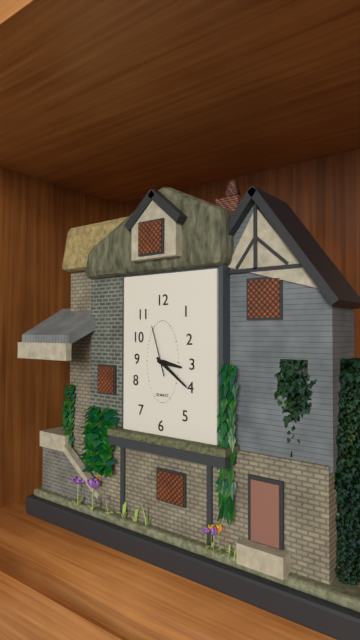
{"hour": 3, "minute": 21}
